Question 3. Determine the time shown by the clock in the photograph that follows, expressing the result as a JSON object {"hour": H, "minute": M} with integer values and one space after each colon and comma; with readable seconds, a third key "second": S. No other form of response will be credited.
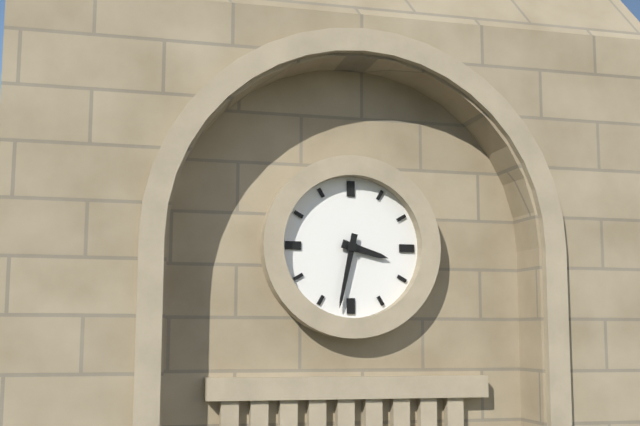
{"hour": 3, "minute": 32}
